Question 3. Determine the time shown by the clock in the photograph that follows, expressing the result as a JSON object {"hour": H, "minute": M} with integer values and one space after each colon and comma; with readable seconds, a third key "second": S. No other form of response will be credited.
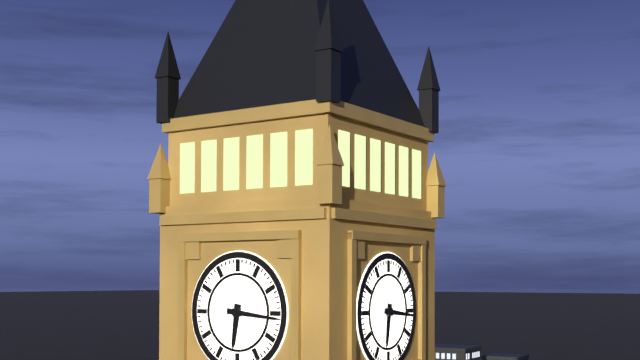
{"hour": 6, "minute": 16}
